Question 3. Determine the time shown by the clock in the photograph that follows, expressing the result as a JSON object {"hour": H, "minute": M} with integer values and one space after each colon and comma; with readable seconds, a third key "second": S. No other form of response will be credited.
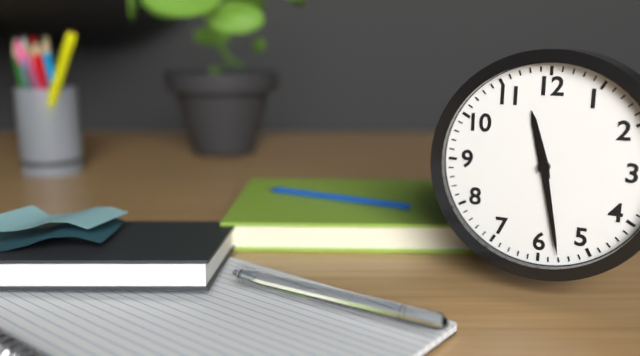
{"hour": 11, "minute": 28}
